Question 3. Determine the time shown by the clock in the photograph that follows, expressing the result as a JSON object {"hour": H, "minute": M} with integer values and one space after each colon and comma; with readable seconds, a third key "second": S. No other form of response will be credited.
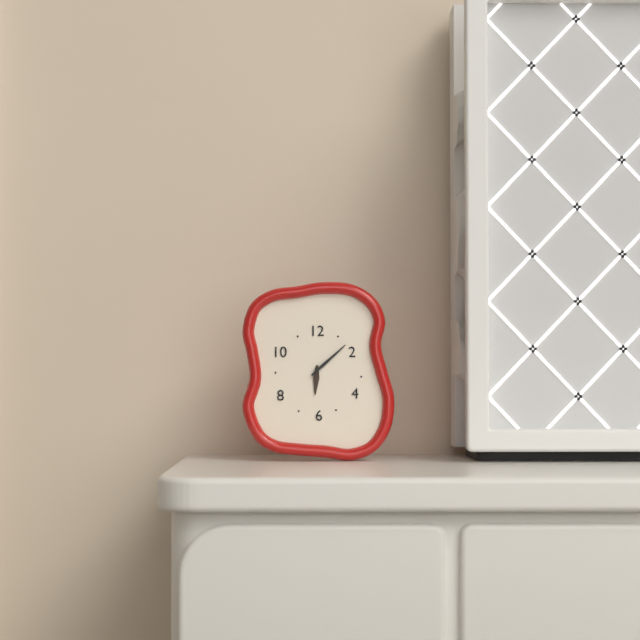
{"hour": 6, "minute": 8}
